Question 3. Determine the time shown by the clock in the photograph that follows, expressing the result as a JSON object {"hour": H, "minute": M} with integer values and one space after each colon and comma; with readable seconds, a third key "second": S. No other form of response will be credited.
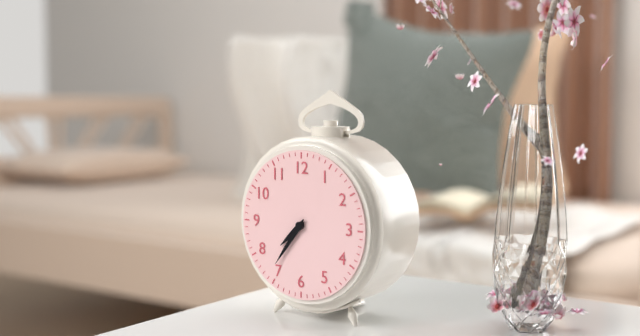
{"hour": 7, "minute": 36}
